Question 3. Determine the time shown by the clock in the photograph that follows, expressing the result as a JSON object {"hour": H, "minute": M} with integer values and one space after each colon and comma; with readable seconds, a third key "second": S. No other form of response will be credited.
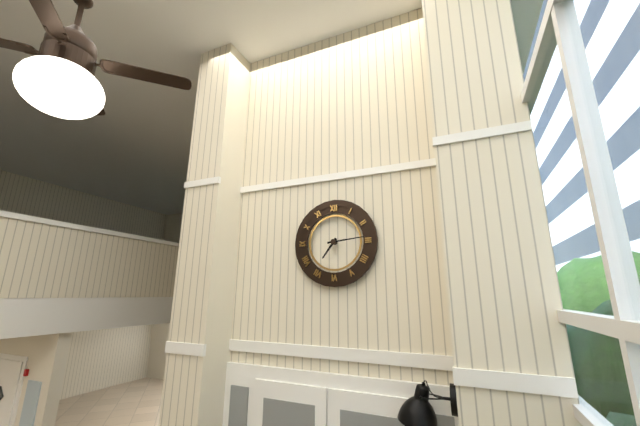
{"hour": 7, "minute": 14}
